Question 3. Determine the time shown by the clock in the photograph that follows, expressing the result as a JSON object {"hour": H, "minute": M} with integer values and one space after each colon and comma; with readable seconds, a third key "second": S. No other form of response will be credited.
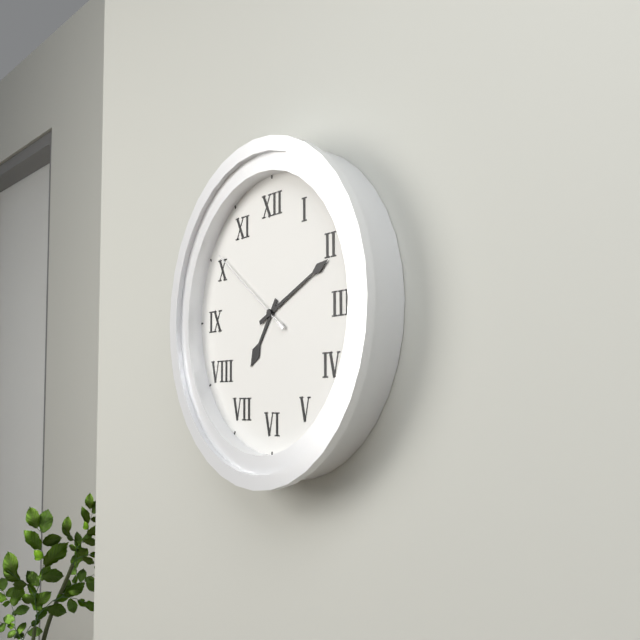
{"hour": 7, "minute": 11, "second": 51}
